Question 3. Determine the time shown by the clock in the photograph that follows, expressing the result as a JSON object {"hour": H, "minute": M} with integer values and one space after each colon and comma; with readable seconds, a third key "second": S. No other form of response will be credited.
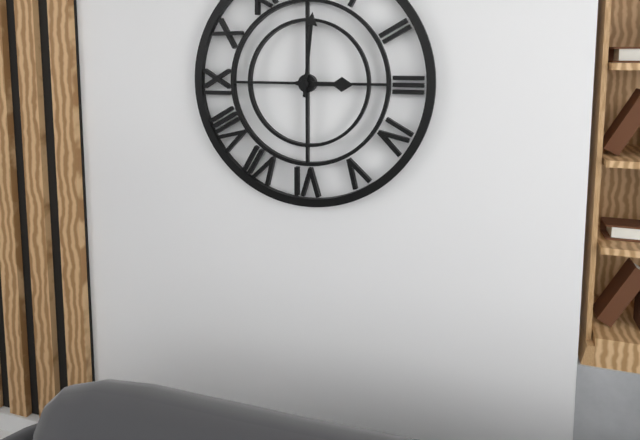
{"hour": 3, "minute": 1}
